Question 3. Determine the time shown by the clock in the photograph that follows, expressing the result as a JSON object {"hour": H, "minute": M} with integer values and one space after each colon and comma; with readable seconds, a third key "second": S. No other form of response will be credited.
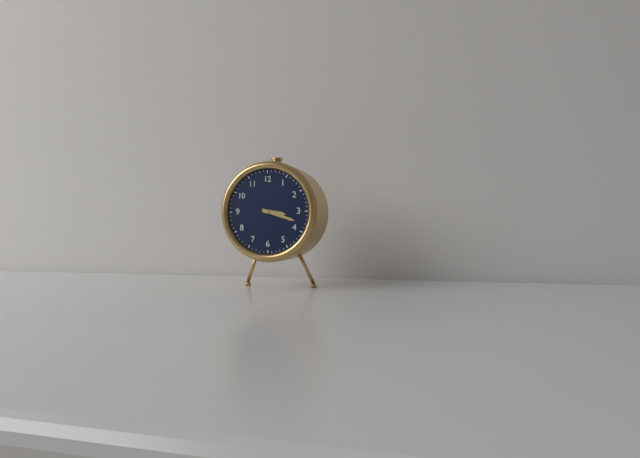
{"hour": 3, "minute": 18}
